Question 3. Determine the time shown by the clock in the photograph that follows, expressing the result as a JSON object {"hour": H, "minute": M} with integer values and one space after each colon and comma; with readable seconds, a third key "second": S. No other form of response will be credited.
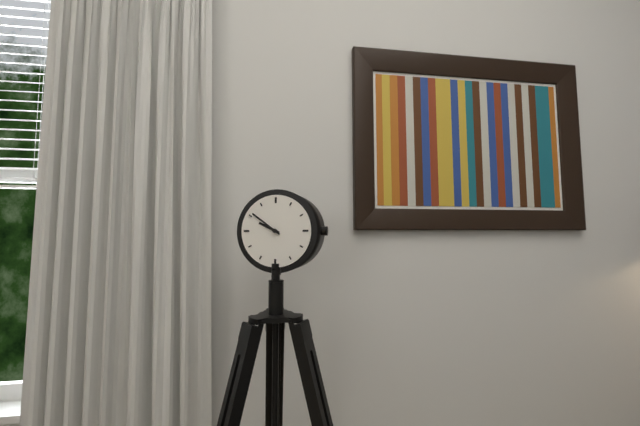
{"hour": 9, "minute": 51}
